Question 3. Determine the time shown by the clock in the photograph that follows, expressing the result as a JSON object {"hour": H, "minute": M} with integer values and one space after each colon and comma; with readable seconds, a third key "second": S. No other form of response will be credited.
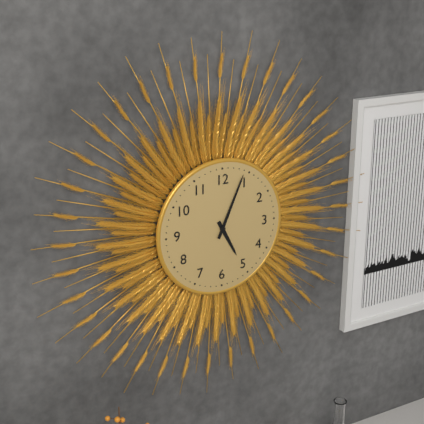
{"hour": 5, "minute": 4}
